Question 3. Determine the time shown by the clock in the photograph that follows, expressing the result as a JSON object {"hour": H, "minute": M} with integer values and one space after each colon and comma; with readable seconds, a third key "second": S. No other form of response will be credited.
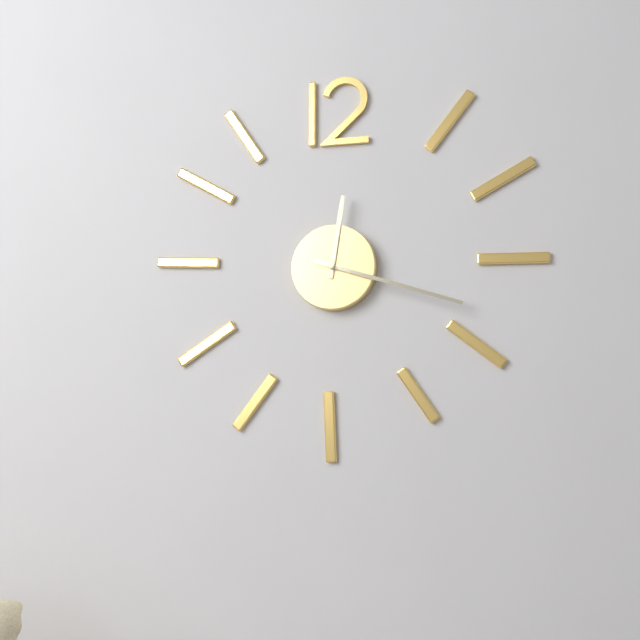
{"hour": 12, "minute": 18}
